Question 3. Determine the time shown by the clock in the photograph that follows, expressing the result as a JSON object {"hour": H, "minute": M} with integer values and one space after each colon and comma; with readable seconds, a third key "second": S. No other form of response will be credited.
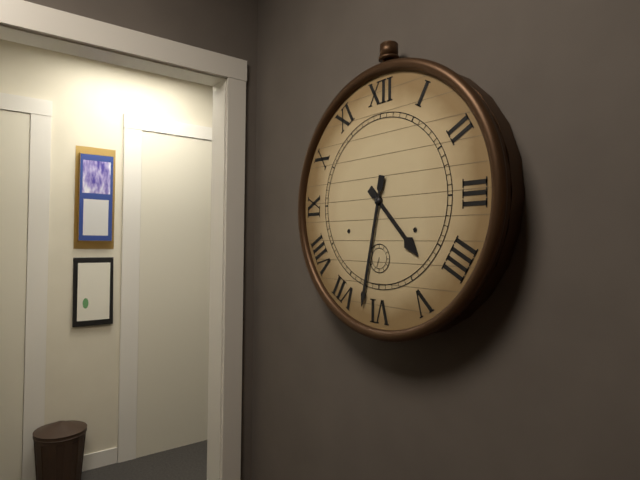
{"hour": 4, "minute": 32}
